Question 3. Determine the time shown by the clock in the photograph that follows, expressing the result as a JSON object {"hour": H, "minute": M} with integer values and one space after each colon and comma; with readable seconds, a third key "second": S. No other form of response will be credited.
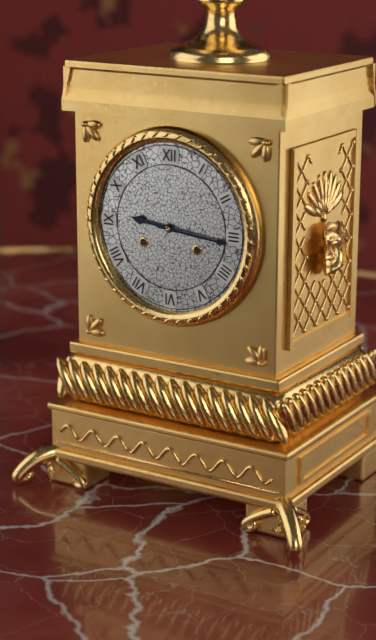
{"hour": 9, "minute": 16}
